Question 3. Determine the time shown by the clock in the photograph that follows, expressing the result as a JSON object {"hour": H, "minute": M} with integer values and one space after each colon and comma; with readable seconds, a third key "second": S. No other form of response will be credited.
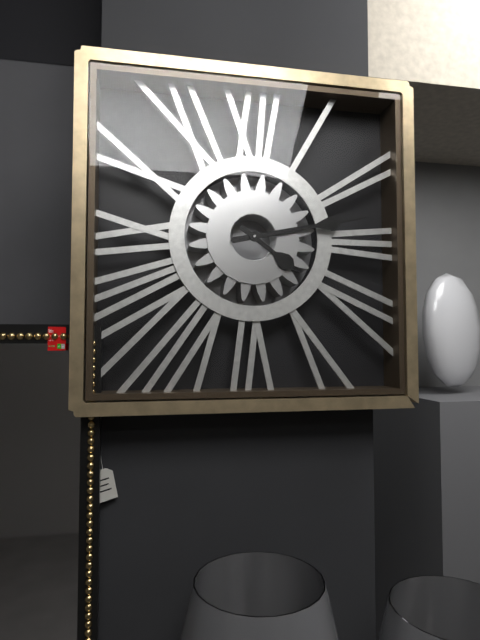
{"hour": 4, "minute": 13}
